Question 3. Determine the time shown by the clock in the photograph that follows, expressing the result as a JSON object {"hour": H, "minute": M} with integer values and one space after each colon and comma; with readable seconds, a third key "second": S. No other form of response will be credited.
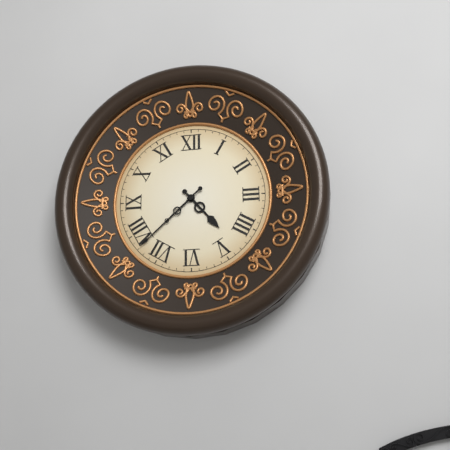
{"hour": 4, "minute": 38}
